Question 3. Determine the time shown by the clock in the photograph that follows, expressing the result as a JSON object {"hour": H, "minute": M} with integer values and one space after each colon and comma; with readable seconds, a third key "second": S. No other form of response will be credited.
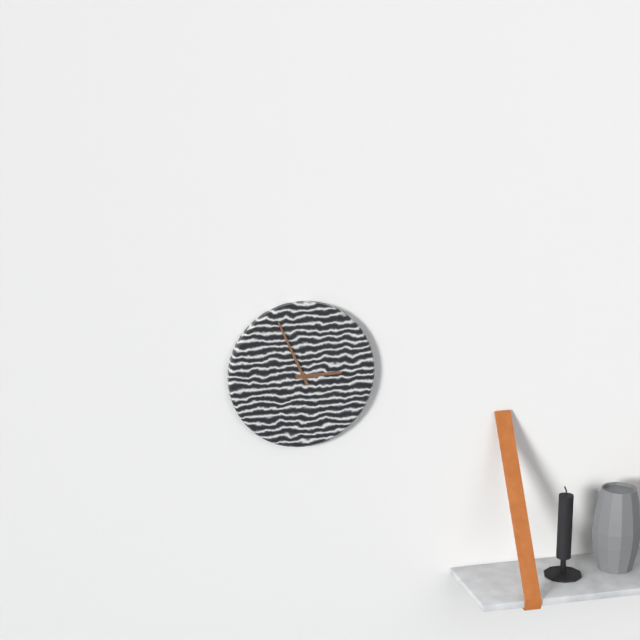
{"hour": 2, "minute": 56}
